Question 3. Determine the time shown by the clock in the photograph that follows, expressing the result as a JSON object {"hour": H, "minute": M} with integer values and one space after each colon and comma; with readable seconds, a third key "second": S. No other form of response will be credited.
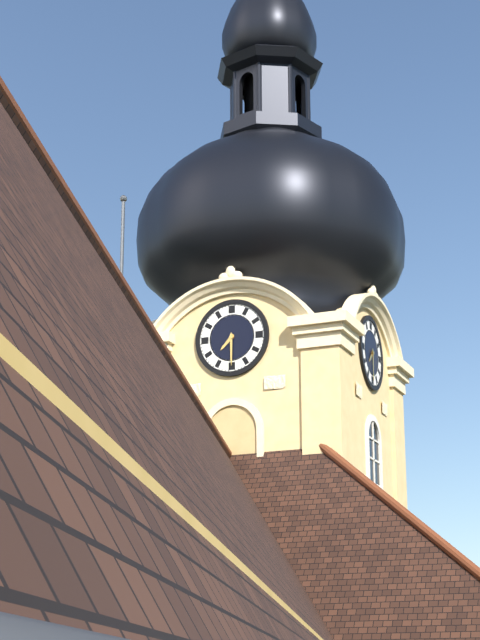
{"hour": 7, "minute": 30}
